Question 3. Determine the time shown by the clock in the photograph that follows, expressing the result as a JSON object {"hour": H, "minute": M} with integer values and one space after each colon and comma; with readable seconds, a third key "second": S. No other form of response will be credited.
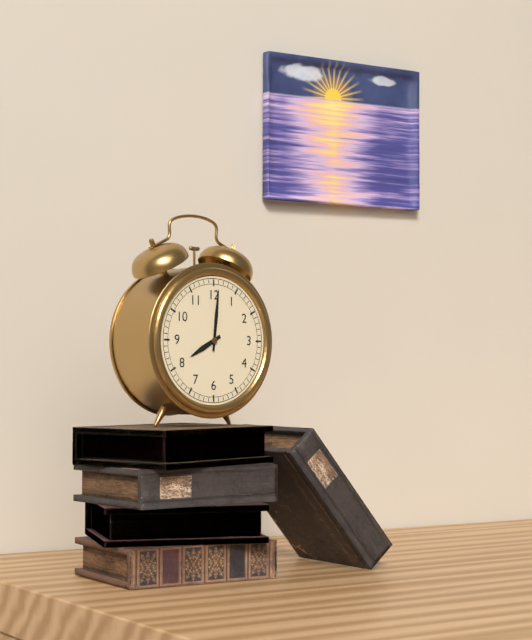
{"hour": 8, "minute": 1}
